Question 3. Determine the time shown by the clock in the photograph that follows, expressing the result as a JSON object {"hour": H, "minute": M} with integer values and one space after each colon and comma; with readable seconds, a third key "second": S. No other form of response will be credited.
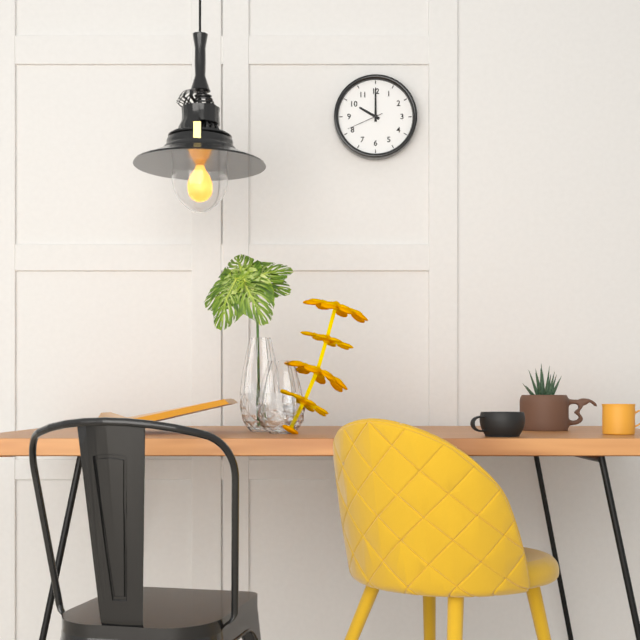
{"hour": 10, "minute": 0}
